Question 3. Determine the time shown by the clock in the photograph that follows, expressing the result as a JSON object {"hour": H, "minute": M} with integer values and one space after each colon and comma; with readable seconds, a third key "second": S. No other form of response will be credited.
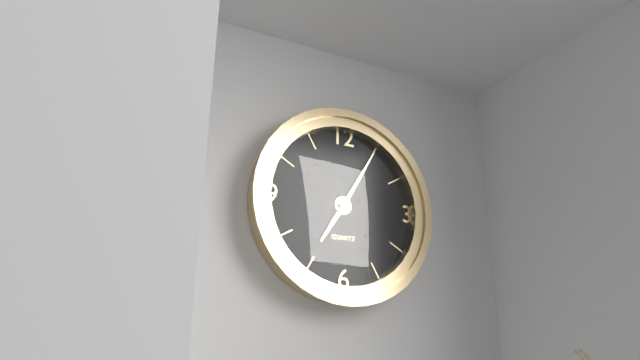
{"hour": 7, "minute": 5}
